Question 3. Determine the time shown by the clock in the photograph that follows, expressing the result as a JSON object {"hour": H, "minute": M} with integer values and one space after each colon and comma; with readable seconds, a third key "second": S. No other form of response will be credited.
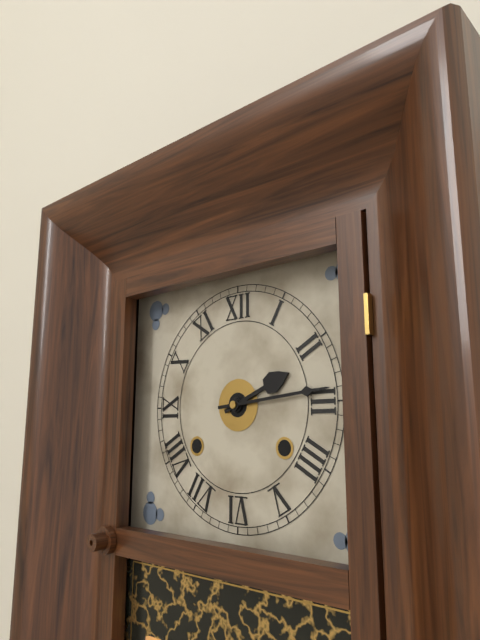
{"hour": 2, "minute": 14}
